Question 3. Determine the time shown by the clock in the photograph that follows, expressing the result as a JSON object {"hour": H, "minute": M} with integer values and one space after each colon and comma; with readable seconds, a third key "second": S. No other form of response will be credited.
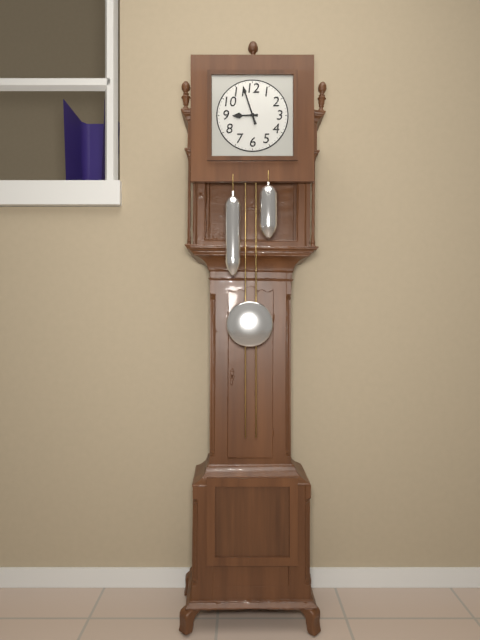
{"hour": 8, "minute": 57}
